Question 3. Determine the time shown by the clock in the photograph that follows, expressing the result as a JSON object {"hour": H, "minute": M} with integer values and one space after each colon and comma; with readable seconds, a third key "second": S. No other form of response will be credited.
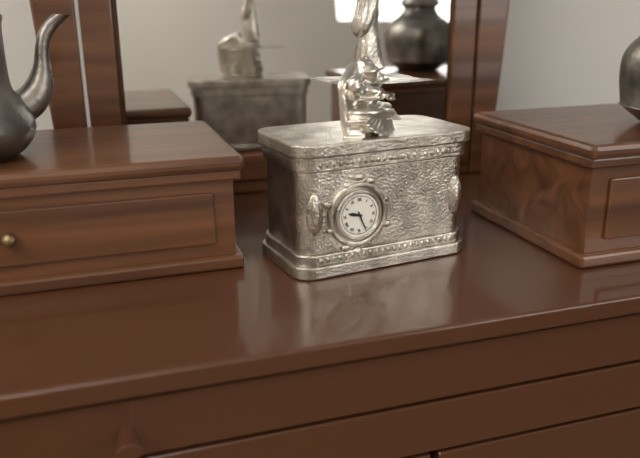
{"hour": 9, "minute": 26}
